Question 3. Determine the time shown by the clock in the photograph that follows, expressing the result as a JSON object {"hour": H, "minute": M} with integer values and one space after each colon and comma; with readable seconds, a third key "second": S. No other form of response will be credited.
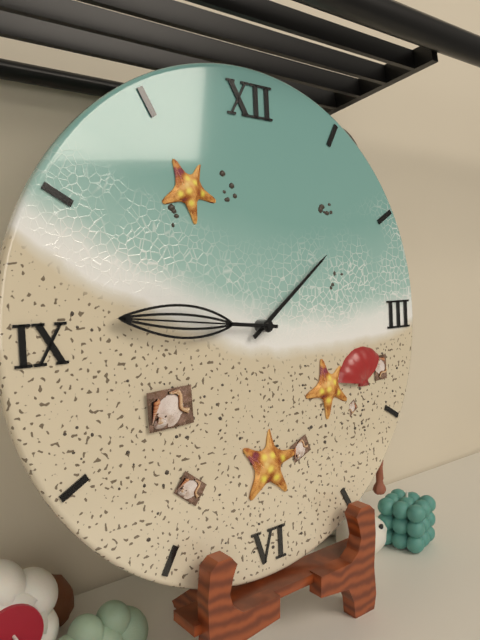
{"hour": 1, "minute": 46}
